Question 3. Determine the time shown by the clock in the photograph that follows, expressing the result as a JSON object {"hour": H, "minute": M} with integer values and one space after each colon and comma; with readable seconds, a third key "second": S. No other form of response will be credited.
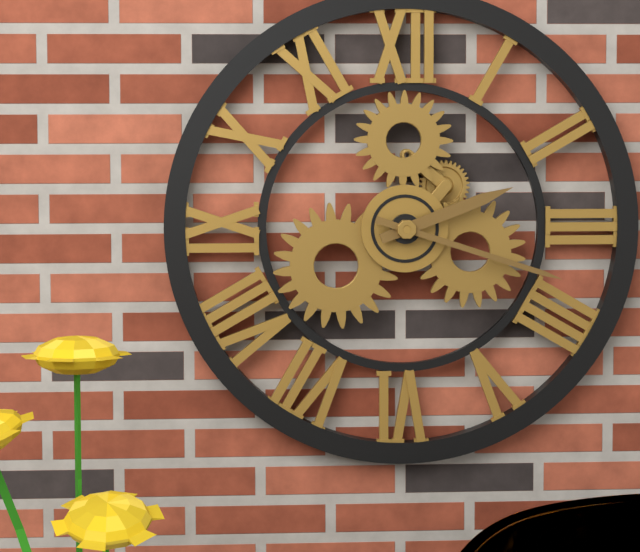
{"hour": 2, "minute": 18}
